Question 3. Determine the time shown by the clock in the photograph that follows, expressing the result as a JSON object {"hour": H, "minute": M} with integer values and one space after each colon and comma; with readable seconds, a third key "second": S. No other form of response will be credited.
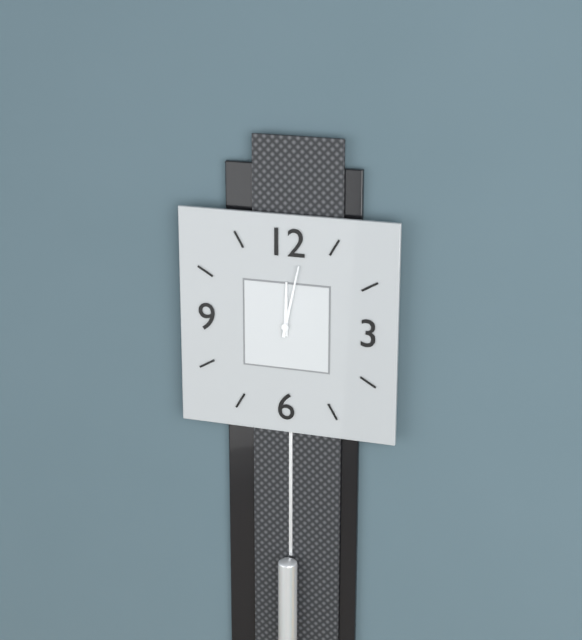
{"hour": 12, "minute": 2}
